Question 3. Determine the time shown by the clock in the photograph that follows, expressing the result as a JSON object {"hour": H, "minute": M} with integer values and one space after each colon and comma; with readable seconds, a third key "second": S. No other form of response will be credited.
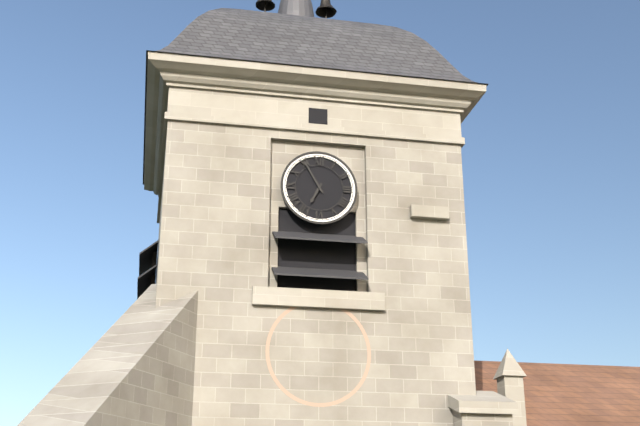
{"hour": 6, "minute": 55}
